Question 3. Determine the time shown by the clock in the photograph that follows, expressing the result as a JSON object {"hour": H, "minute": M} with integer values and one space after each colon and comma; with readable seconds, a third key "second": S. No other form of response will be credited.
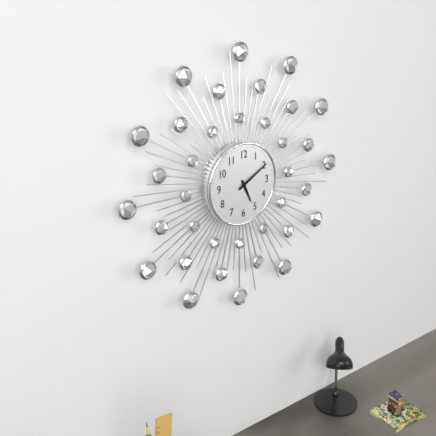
{"hour": 5, "minute": 10}
